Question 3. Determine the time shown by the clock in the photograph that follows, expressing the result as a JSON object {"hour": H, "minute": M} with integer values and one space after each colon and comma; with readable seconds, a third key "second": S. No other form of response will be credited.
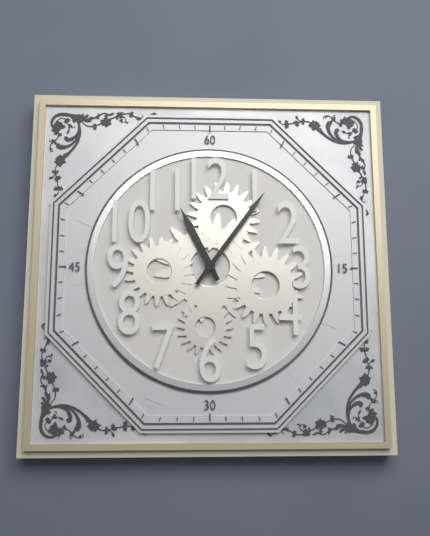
{"hour": 11, "minute": 6}
